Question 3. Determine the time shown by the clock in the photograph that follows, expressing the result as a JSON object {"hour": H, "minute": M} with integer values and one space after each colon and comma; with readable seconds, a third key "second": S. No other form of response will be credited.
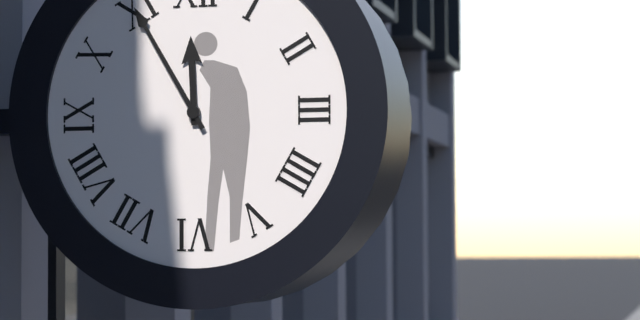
{"hour": 11, "minute": 55}
